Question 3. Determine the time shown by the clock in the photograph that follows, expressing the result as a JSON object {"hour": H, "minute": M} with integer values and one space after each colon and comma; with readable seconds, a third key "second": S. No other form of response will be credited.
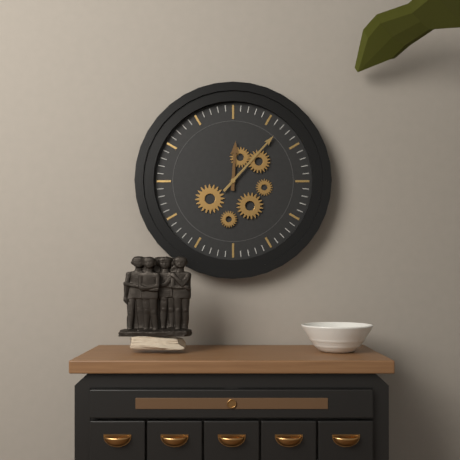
{"hour": 12, "minute": 7}
